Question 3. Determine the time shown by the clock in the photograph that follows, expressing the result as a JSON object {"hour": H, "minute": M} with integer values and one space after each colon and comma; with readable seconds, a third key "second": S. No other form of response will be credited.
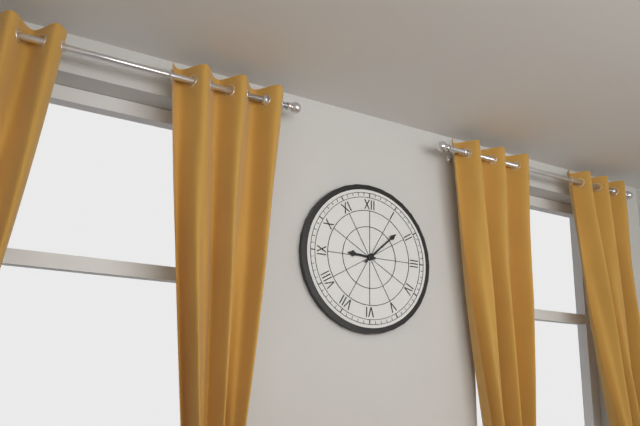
{"hour": 9, "minute": 8}
